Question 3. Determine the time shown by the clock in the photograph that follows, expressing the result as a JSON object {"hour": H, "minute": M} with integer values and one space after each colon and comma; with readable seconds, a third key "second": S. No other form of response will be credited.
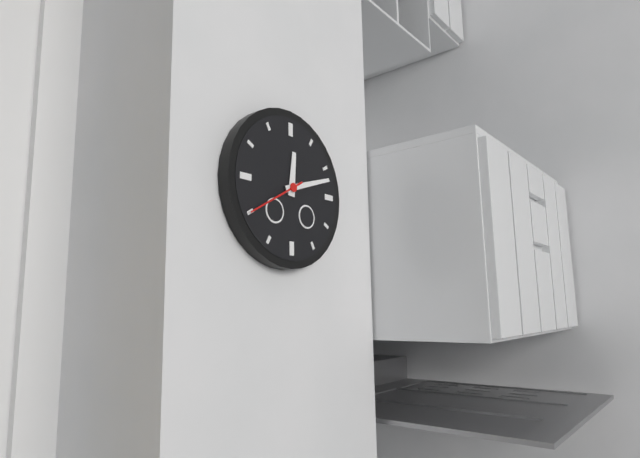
{"hour": 12, "minute": 12}
